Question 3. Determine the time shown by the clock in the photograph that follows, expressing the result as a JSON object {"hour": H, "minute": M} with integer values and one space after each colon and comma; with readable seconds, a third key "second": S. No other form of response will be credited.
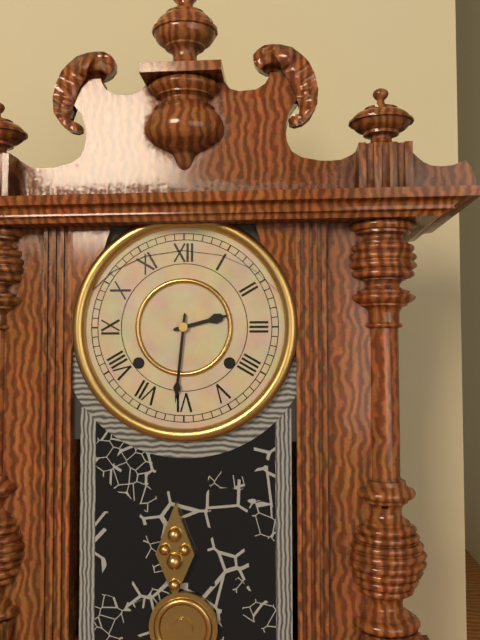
{"hour": 2, "minute": 31}
